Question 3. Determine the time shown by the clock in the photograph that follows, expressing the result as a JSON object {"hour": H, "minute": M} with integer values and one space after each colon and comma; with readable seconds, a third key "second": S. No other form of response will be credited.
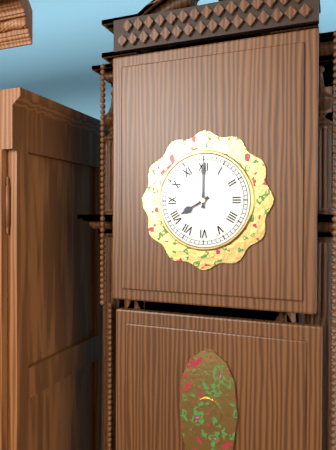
{"hour": 8, "minute": 0}
